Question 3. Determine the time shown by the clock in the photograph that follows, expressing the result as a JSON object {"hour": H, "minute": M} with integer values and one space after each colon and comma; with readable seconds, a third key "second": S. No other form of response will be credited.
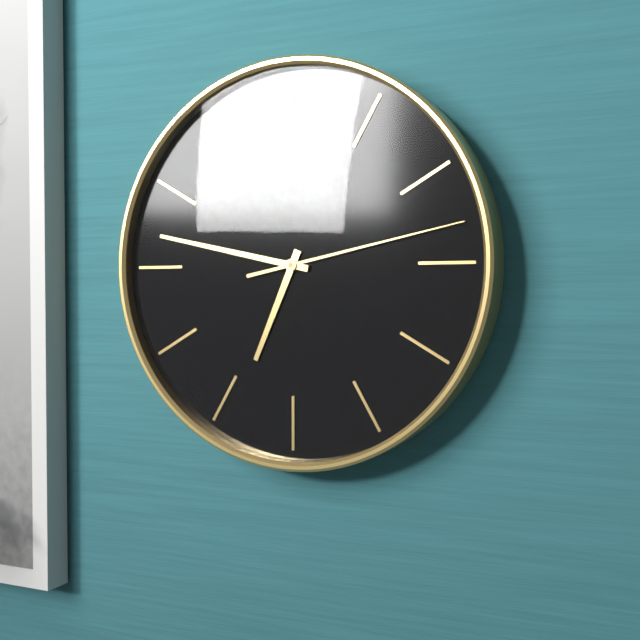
{"hour": 6, "minute": 47, "second": 13}
